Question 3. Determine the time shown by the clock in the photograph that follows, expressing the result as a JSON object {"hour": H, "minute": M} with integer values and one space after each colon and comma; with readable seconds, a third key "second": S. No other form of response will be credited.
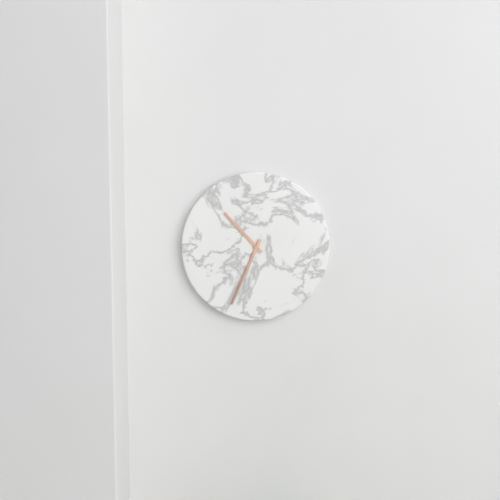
{"hour": 10, "minute": 34}
